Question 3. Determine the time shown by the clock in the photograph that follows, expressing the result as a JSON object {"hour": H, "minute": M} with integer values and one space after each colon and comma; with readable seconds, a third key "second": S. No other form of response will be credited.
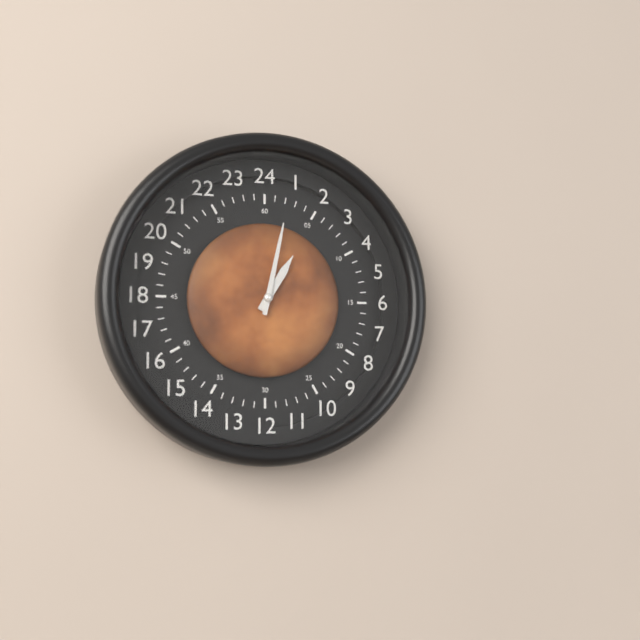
{"hour": 1, "minute": 2}
